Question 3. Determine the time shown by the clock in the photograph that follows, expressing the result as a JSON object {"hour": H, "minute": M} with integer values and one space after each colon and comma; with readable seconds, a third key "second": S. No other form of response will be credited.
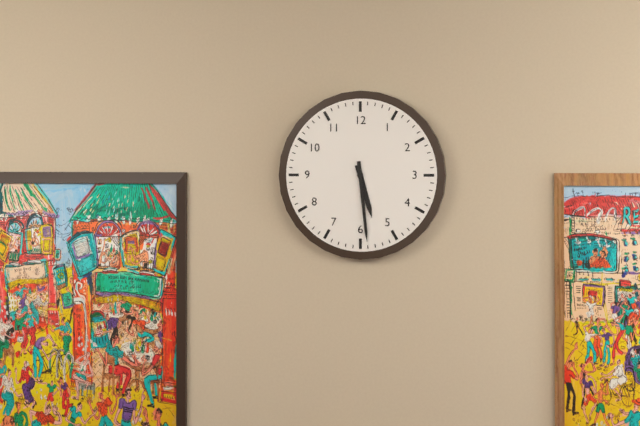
{"hour": 5, "minute": 29}
